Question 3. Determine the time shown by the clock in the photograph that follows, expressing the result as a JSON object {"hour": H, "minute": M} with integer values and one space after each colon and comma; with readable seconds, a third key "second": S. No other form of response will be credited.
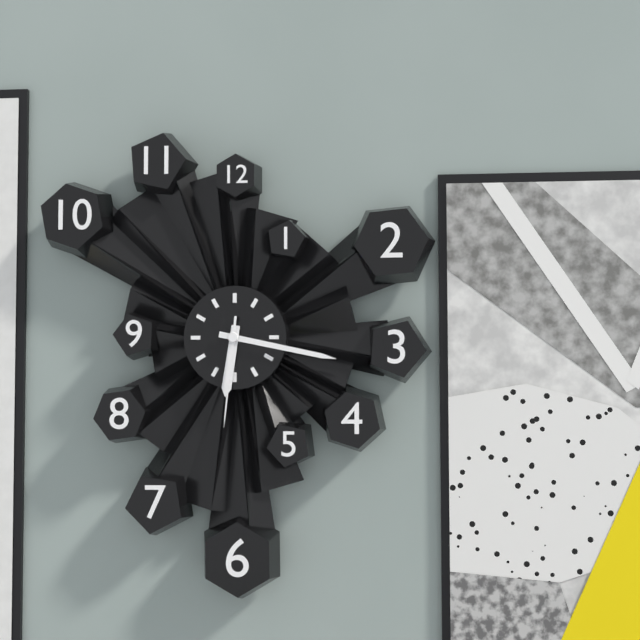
{"hour": 6, "minute": 17, "second": 31}
